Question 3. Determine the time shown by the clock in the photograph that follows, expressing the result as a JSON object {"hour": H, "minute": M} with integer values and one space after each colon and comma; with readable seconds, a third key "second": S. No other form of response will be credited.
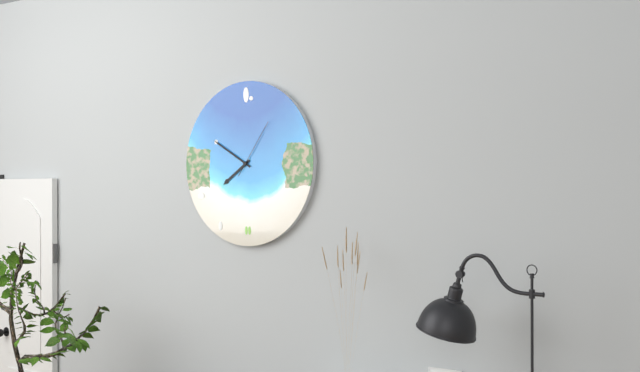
{"hour": 7, "minute": 50, "second": 6}
